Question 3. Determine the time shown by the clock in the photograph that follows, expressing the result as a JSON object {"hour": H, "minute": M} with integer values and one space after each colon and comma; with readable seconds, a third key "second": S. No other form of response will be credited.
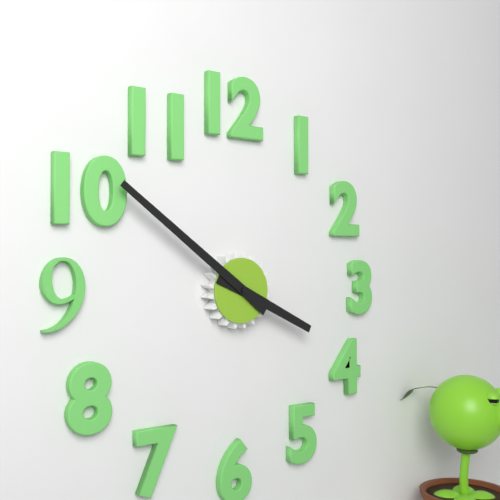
{"hour": 3, "minute": 51}
